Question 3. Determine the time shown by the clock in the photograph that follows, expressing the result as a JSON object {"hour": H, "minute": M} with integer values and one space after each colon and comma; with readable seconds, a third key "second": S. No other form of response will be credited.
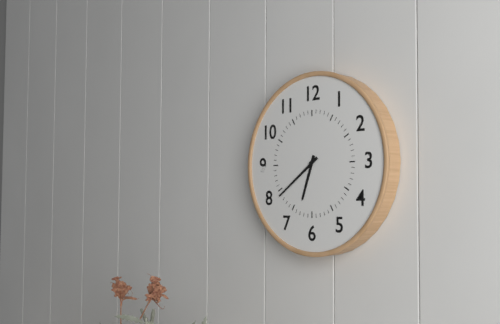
{"hour": 6, "minute": 39}
